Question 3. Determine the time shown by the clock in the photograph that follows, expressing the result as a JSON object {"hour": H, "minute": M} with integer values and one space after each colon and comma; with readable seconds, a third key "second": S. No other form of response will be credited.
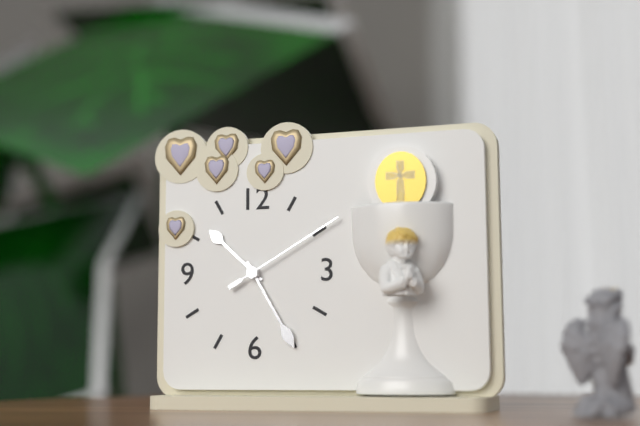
{"hour": 10, "minute": 25, "second": 10}
